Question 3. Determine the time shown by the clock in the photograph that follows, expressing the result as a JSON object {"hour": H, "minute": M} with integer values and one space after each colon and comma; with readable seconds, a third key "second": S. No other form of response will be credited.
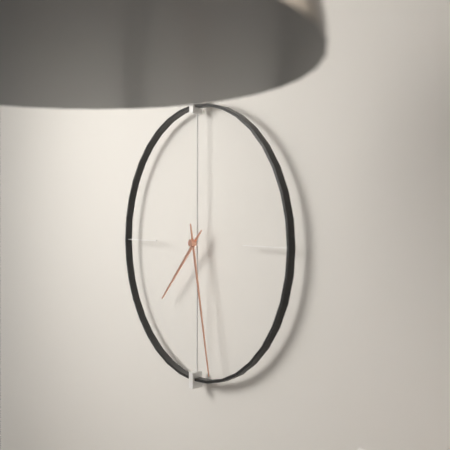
{"hour": 7, "minute": 28}
